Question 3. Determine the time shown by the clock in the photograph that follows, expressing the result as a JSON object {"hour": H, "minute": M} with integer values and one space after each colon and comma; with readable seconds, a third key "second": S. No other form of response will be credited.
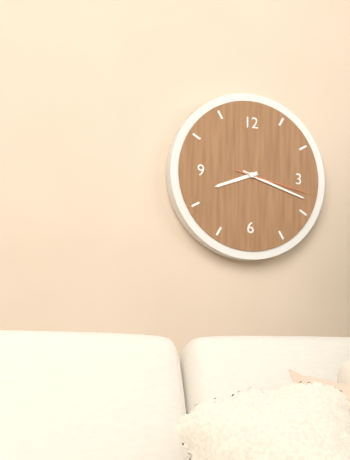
{"hour": 8, "minute": 18, "second": 17}
